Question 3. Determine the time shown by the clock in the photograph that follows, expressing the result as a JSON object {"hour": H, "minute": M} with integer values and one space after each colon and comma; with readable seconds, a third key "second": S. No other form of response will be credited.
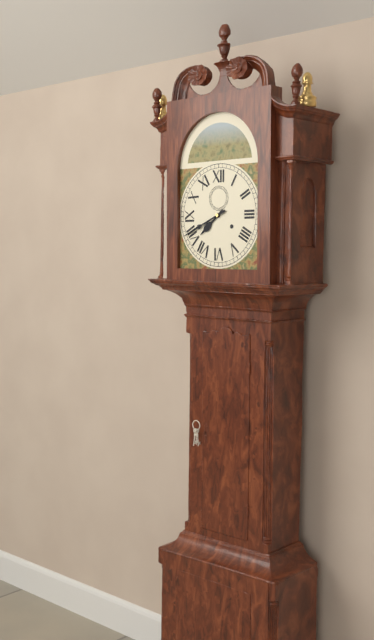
{"hour": 7, "minute": 41}
